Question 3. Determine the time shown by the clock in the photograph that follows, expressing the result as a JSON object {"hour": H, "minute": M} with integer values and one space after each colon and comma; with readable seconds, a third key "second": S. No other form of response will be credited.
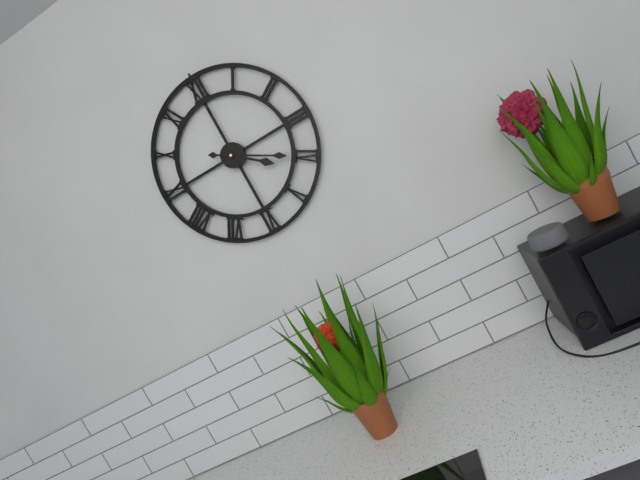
{"hour": 4, "minute": 20}
